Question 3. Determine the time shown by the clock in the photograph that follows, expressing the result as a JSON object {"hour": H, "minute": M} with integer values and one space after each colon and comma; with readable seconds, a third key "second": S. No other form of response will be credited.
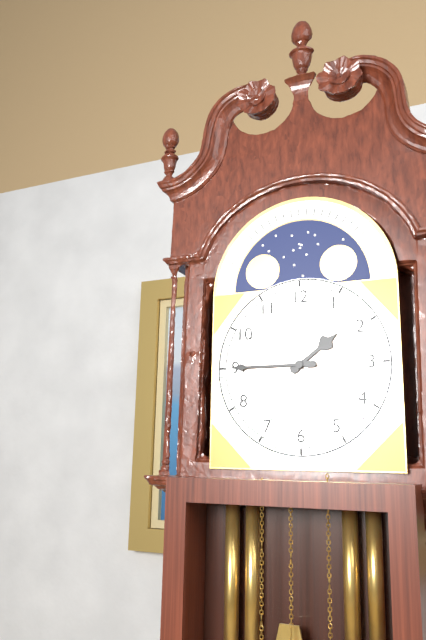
{"hour": 1, "minute": 45}
